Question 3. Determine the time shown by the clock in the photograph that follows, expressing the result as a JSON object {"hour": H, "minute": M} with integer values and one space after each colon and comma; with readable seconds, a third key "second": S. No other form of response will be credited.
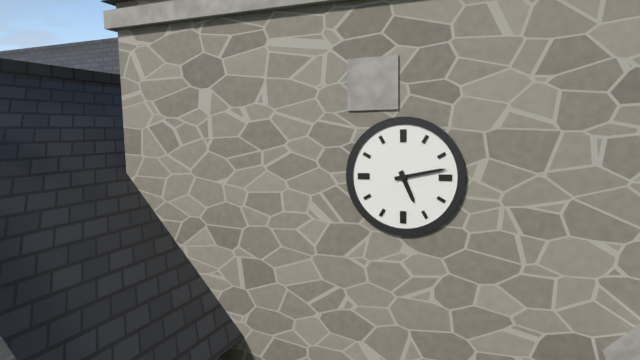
{"hour": 5, "minute": 13}
